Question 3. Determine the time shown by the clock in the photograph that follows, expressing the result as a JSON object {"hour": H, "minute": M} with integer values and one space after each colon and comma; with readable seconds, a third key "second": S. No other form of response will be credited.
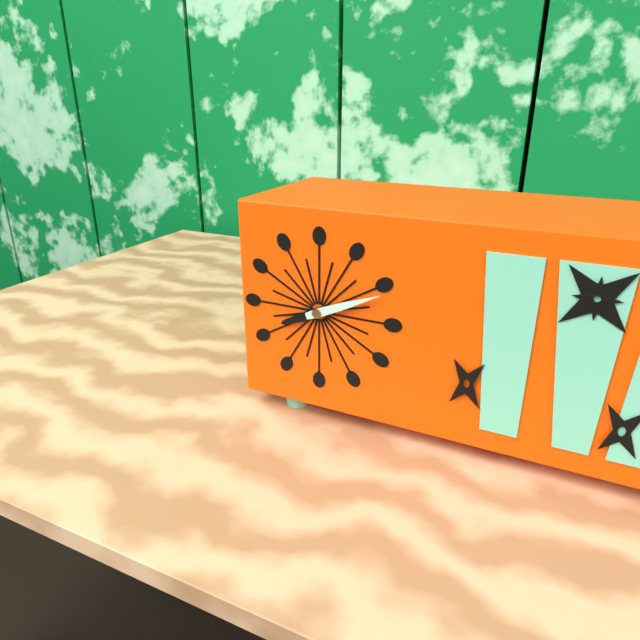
{"hour": 8, "minute": 11}
